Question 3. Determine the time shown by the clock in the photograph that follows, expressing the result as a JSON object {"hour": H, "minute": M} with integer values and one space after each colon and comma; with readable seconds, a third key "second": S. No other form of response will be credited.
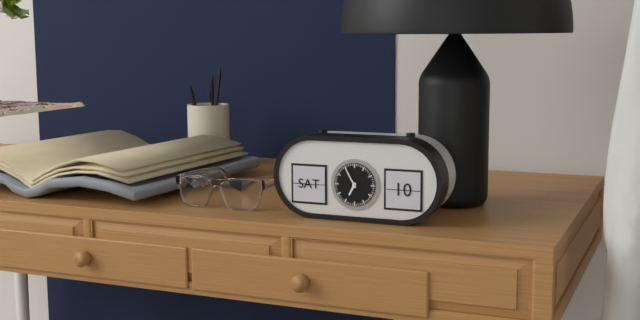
{"hour": 6, "minute": 55}
